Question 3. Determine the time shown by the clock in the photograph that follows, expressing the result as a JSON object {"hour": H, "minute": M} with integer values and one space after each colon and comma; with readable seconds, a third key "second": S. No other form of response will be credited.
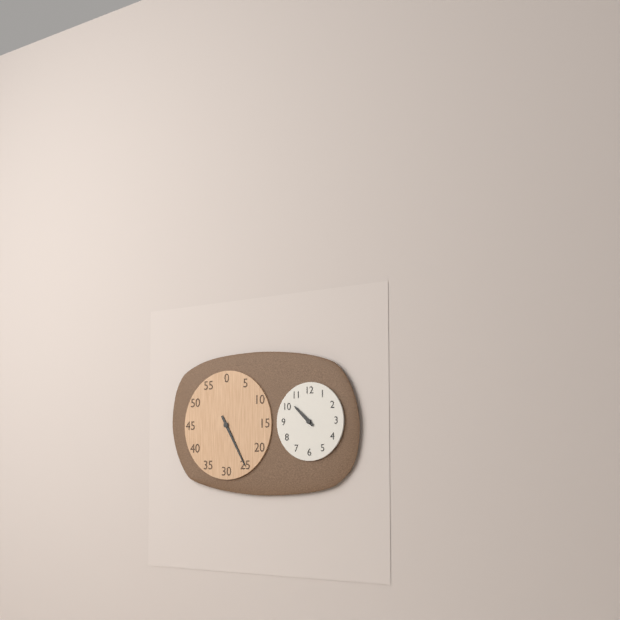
{"hour": 10, "minute": 25}
